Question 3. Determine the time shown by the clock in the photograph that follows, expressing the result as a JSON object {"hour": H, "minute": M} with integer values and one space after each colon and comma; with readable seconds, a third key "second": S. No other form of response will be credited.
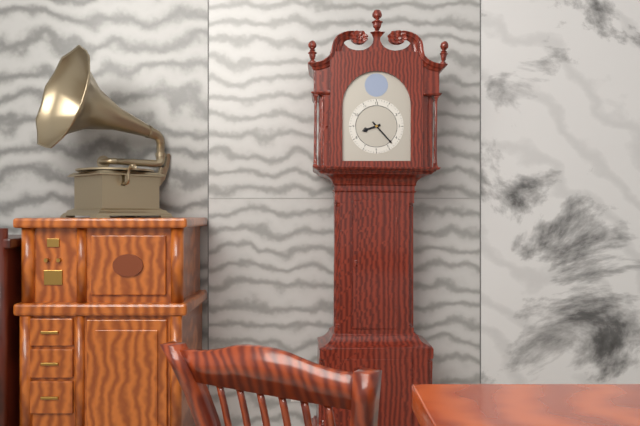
{"hour": 8, "minute": 23}
